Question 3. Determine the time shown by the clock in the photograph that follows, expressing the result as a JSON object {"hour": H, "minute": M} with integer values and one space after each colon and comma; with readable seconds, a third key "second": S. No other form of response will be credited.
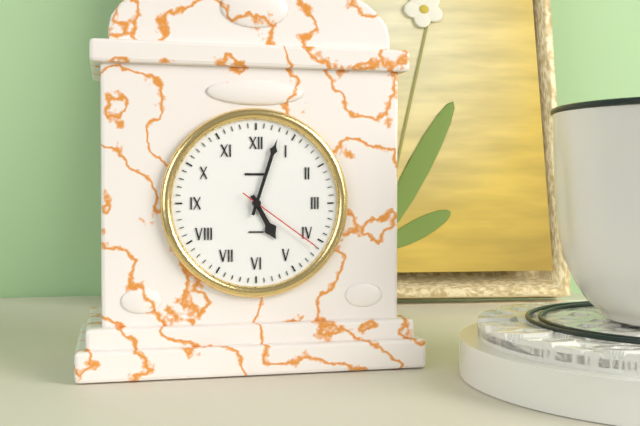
{"hour": 5, "minute": 3, "second": 21}
